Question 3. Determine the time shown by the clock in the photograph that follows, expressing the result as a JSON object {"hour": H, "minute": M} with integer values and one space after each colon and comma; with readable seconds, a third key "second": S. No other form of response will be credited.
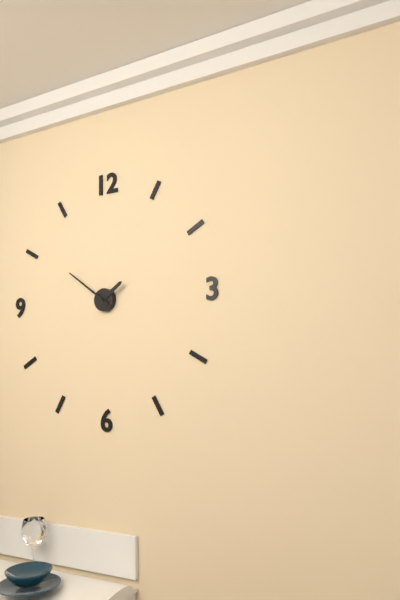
{"hour": 1, "minute": 51}
